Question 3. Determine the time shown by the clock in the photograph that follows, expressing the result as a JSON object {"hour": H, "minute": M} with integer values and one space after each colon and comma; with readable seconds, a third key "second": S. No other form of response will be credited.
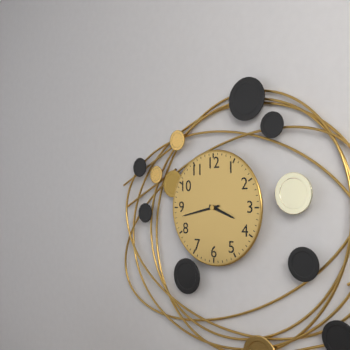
{"hour": 3, "minute": 43}
